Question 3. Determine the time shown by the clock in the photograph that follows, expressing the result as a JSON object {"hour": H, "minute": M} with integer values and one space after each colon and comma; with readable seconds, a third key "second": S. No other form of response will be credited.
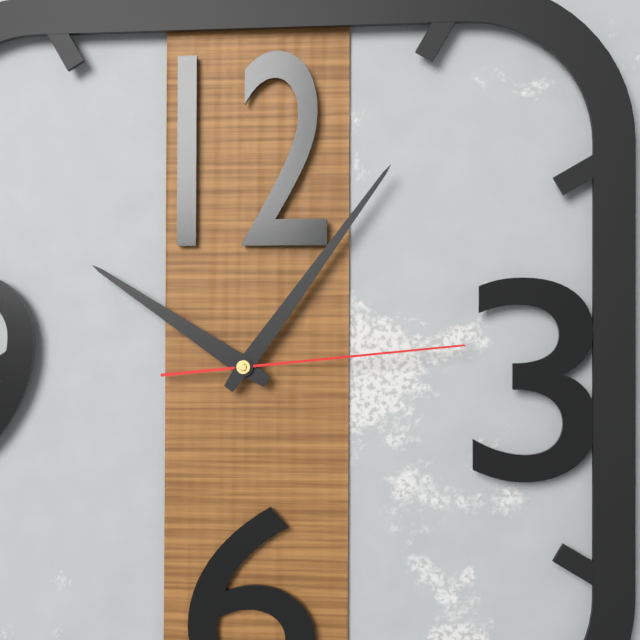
{"hour": 10, "minute": 6, "second": 14}
